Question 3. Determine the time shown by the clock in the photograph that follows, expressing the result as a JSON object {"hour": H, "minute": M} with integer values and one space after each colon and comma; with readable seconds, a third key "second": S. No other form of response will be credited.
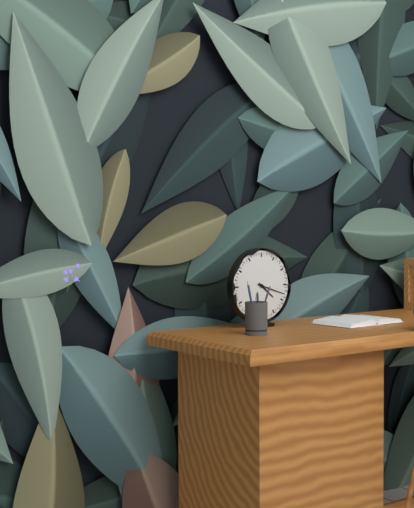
{"hour": 4, "minute": 18}
